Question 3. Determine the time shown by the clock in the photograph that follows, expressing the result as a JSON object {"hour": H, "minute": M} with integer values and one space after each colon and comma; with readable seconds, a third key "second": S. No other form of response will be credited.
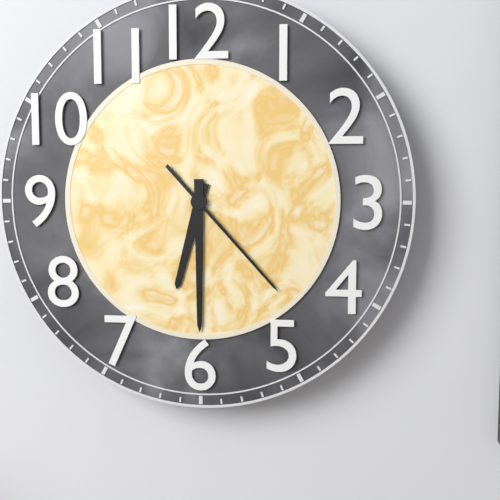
{"hour": 6, "minute": 30, "second": 23}
